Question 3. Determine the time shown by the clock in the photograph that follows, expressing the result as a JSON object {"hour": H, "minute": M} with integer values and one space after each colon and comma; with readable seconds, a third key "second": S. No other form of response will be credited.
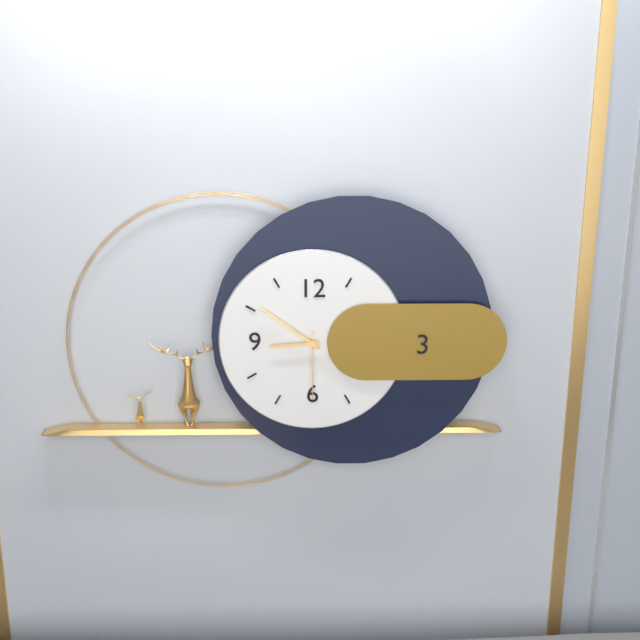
{"hour": 8, "minute": 51, "second": 30}
